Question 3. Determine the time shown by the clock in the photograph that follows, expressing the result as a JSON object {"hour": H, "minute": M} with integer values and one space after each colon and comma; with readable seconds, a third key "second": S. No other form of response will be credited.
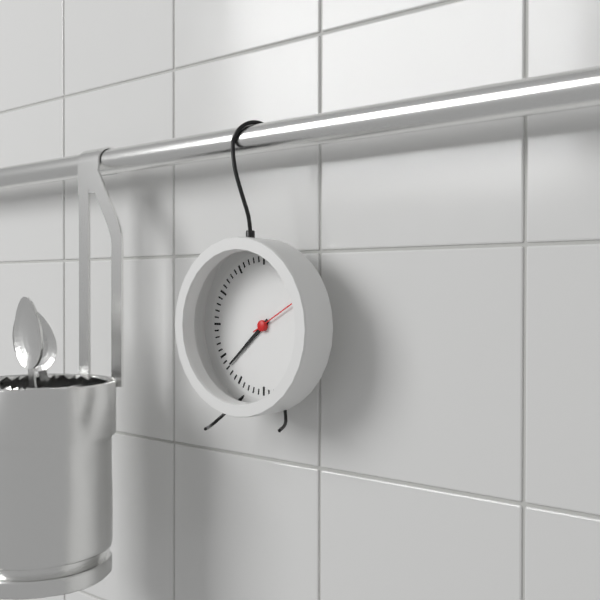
{"hour": 7, "minute": 38}
